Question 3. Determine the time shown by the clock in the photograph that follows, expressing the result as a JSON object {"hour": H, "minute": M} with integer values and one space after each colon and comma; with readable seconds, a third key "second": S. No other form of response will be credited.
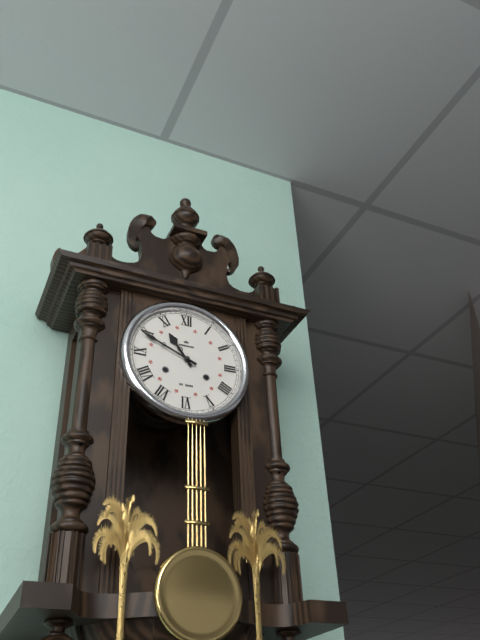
{"hour": 10, "minute": 49}
